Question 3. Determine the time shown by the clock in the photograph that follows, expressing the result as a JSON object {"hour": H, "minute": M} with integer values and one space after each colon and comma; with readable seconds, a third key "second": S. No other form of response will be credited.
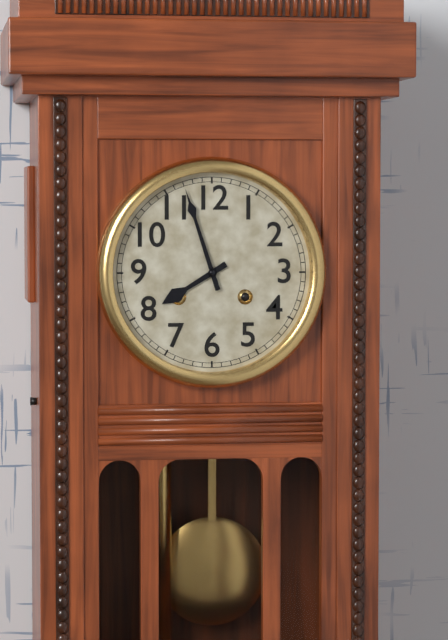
{"hour": 7, "minute": 57}
